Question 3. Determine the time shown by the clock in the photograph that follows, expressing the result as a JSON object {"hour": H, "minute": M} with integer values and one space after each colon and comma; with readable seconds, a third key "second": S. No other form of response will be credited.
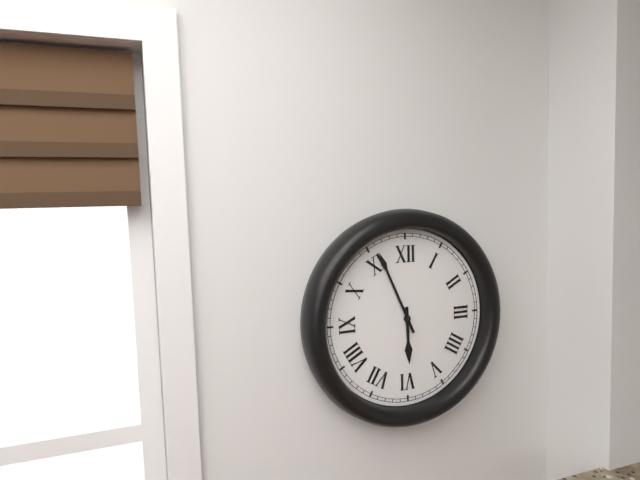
{"hour": 5, "minute": 56}
